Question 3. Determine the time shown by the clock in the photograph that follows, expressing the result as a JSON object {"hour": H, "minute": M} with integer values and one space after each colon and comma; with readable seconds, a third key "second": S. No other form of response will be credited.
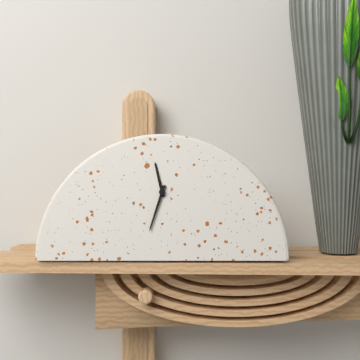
{"hour": 11, "minute": 33}
